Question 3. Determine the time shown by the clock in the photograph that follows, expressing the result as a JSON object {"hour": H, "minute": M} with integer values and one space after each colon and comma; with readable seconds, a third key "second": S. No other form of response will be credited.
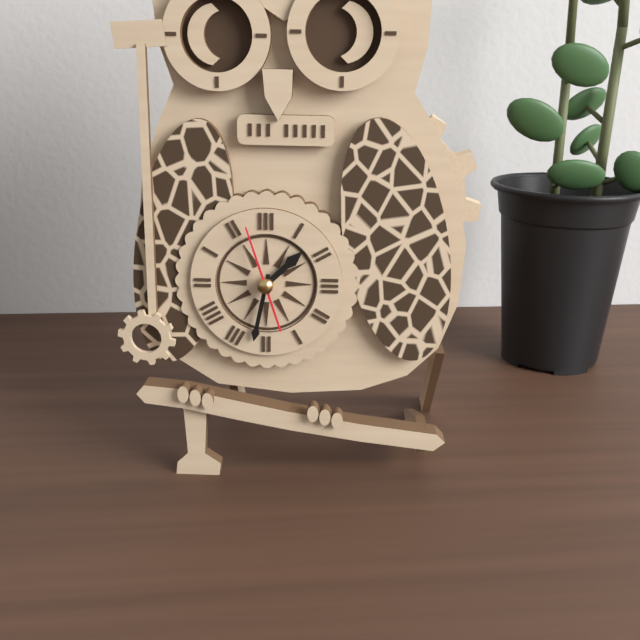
{"hour": 1, "minute": 32, "second": 57}
